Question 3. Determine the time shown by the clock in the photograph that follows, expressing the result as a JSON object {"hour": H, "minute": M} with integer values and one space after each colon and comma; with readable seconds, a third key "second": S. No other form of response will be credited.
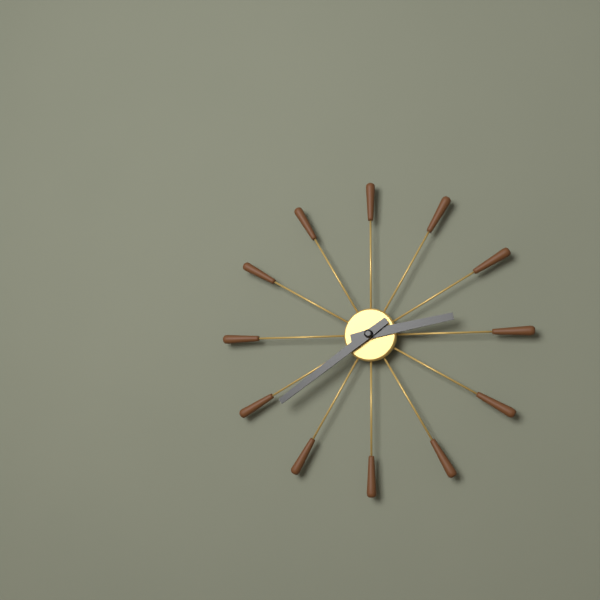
{"hour": 2, "minute": 39}
